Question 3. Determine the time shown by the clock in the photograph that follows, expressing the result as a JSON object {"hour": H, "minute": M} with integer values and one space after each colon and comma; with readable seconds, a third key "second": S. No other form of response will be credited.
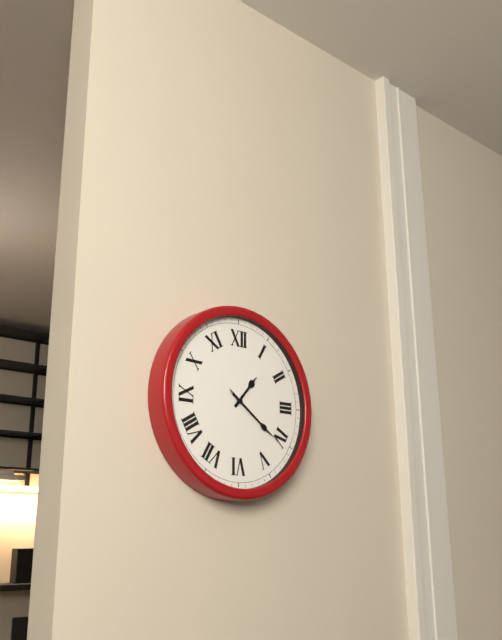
{"hour": 1, "minute": 21, "second": 21}
